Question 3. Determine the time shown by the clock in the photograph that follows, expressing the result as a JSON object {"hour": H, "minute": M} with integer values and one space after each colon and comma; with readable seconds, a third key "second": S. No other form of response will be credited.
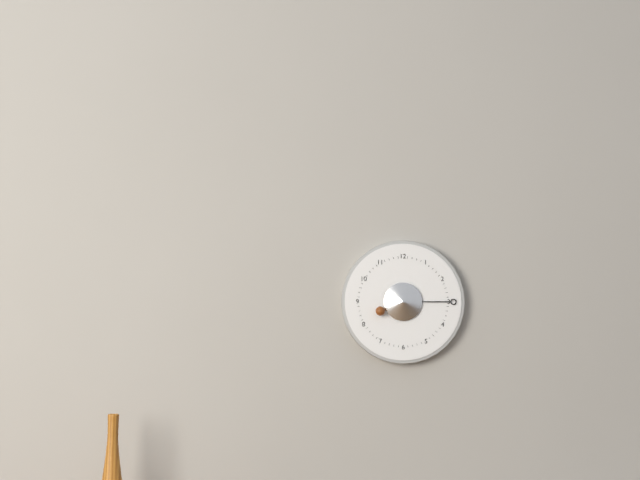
{"hour": 8, "minute": 15}
